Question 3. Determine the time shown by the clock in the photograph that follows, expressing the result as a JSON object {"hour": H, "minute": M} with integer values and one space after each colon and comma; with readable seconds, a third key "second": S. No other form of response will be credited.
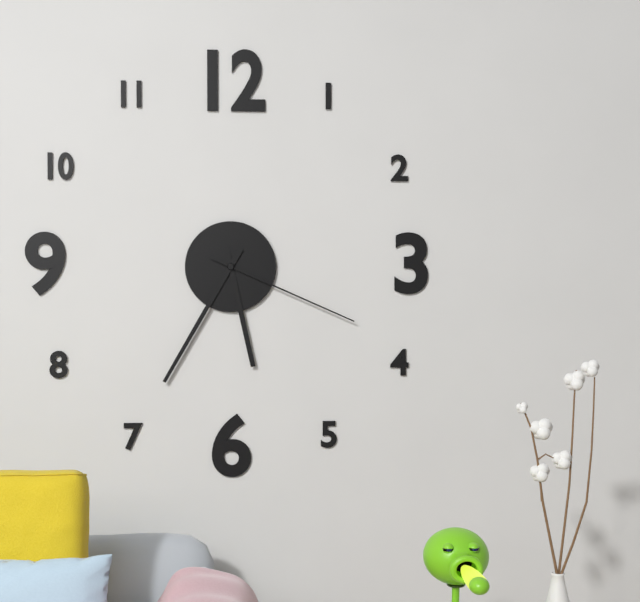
{"hour": 5, "minute": 35, "second": 19}
